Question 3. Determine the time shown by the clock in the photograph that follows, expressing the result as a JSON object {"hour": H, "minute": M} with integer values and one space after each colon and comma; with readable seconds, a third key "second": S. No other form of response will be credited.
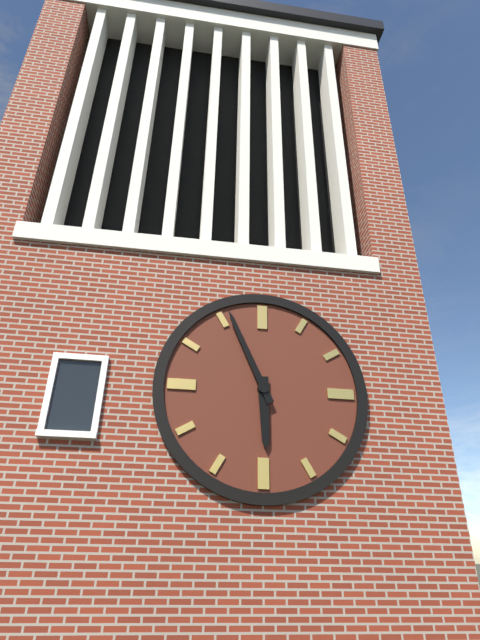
{"hour": 5, "minute": 56}
